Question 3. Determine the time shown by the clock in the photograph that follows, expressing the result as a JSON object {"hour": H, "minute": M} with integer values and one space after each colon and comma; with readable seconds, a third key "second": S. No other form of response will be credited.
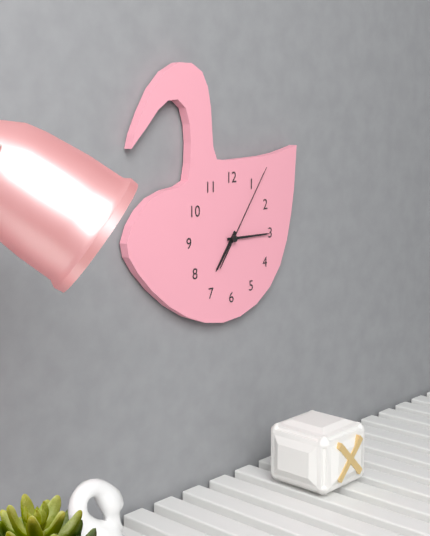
{"hour": 7, "minute": 15, "second": 6}
